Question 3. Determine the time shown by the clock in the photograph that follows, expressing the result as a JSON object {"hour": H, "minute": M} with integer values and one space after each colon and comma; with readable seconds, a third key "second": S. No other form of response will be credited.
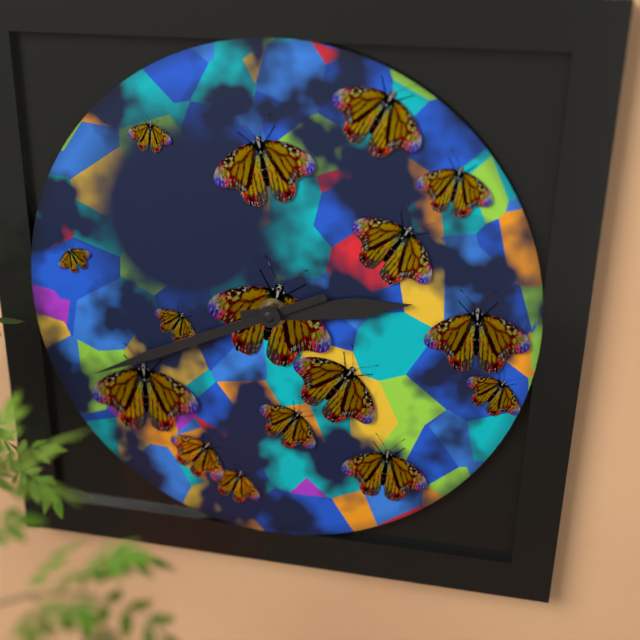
{"hour": 2, "minute": 41}
